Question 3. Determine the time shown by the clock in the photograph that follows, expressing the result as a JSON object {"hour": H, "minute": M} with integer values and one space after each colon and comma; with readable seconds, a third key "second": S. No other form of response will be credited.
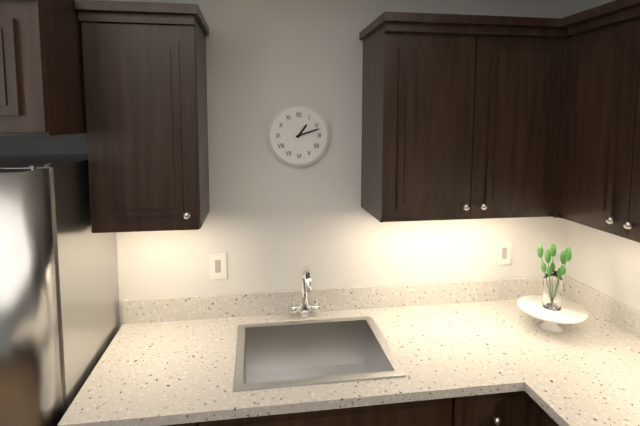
{"hour": 1, "minute": 12}
